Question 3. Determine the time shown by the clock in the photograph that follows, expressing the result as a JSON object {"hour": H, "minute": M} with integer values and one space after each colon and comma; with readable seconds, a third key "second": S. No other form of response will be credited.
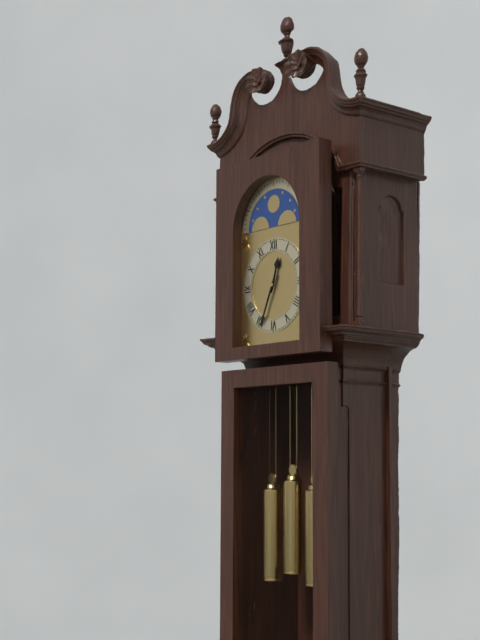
{"hour": 12, "minute": 34}
